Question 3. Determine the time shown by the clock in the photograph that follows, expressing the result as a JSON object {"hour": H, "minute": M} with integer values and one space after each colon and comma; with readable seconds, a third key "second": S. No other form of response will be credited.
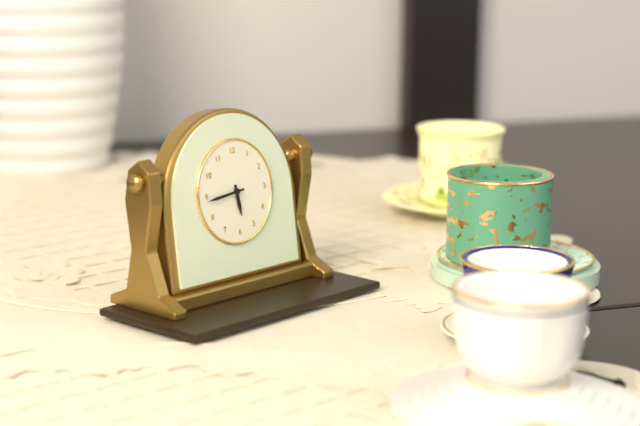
{"hour": 5, "minute": 44}
